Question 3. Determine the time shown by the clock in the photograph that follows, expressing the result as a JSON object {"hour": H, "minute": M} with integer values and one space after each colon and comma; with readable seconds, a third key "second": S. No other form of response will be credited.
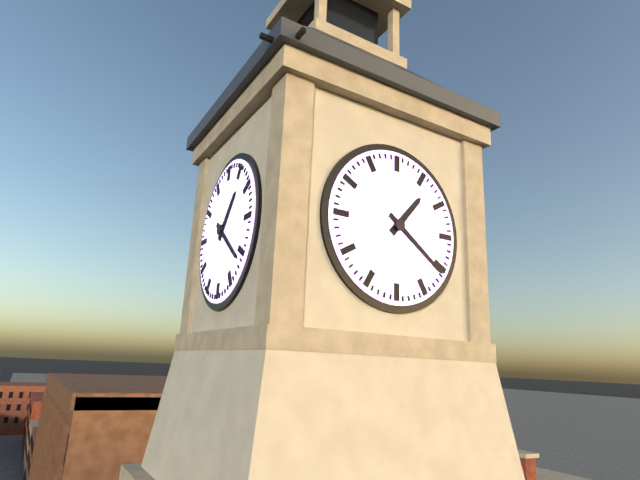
{"hour": 1, "minute": 21}
